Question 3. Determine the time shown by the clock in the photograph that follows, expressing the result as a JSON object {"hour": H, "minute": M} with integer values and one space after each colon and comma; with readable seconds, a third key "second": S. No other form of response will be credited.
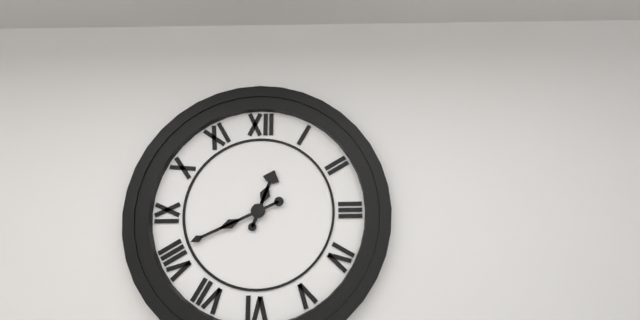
{"hour": 12, "minute": 41}
